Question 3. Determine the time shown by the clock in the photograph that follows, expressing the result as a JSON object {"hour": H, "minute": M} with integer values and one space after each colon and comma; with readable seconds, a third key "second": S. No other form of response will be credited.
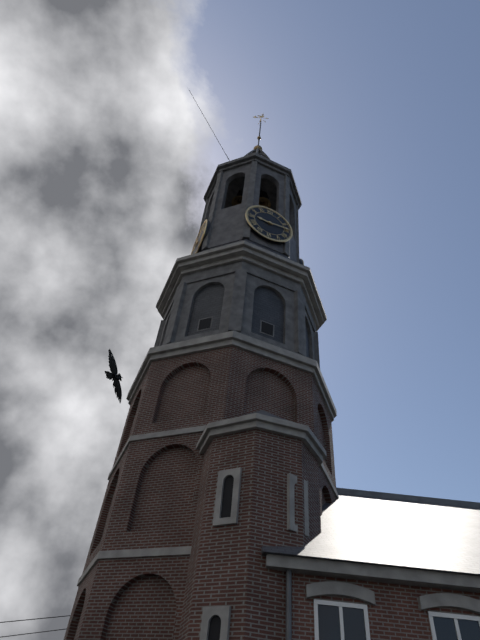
{"hour": 9, "minute": 14}
